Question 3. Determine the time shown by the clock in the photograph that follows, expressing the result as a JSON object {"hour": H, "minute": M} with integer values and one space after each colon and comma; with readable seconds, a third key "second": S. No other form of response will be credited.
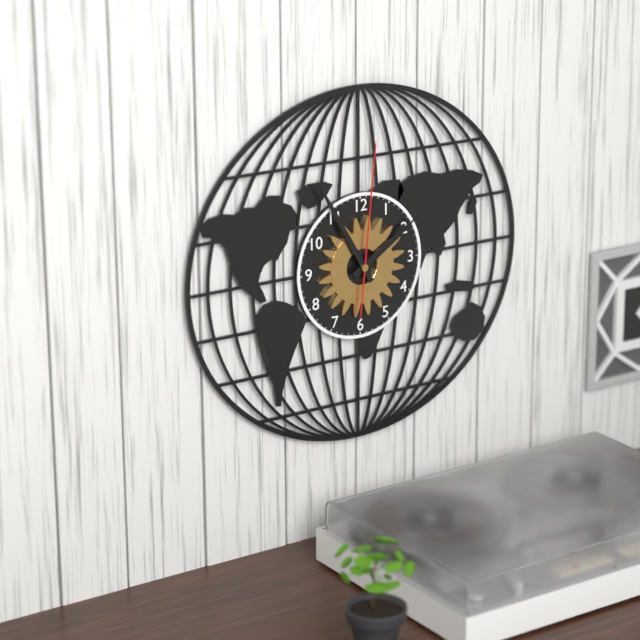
{"hour": 1, "minute": 55, "second": 1}
